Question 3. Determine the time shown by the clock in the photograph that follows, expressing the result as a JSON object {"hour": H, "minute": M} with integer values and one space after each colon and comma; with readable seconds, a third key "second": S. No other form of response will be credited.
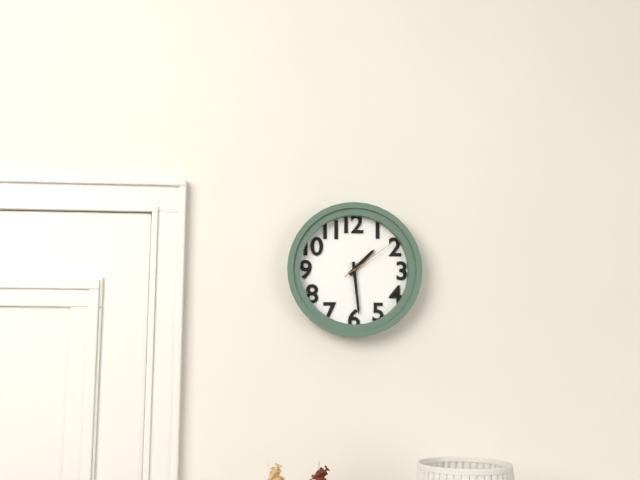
{"hour": 1, "minute": 29, "second": 9}
